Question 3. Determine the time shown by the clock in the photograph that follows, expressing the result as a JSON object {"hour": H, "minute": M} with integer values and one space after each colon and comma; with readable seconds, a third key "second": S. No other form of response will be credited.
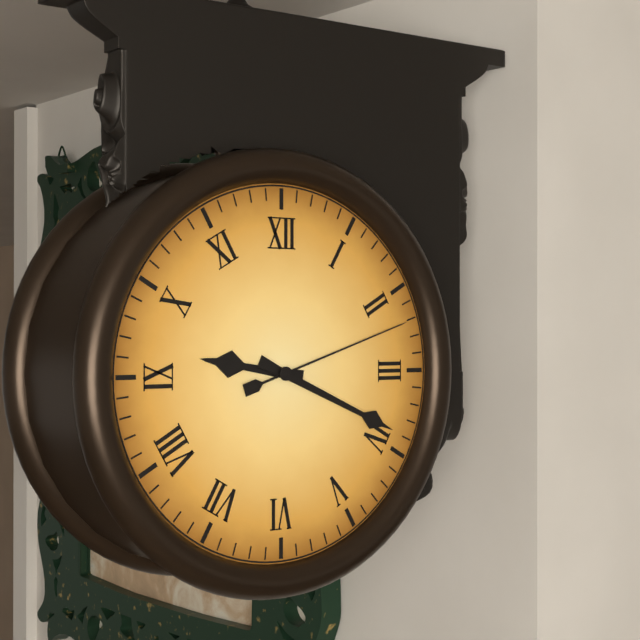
{"hour": 9, "minute": 19, "second": 12}
